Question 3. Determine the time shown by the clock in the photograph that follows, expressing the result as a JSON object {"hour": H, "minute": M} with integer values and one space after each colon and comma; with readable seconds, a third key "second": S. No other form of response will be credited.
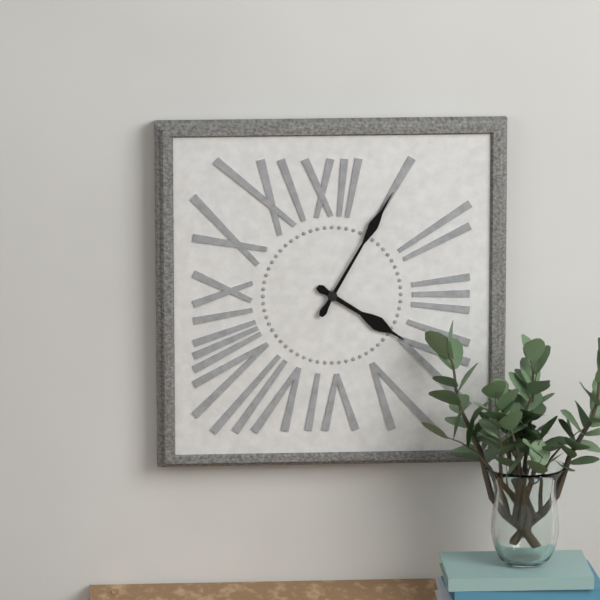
{"hour": 4, "minute": 5}
